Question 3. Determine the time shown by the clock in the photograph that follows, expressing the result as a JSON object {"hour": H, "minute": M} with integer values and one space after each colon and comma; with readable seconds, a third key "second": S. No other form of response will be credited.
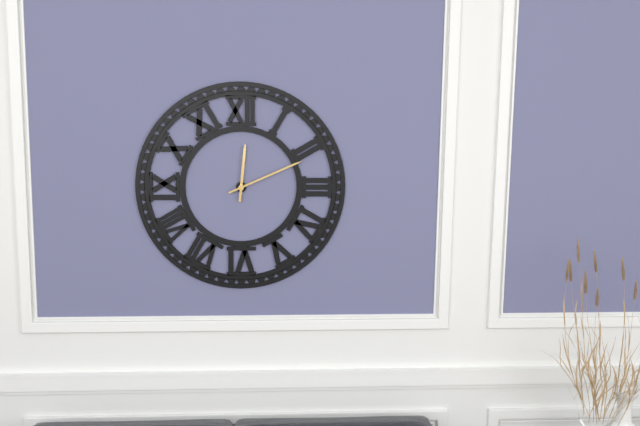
{"hour": 12, "minute": 11}
